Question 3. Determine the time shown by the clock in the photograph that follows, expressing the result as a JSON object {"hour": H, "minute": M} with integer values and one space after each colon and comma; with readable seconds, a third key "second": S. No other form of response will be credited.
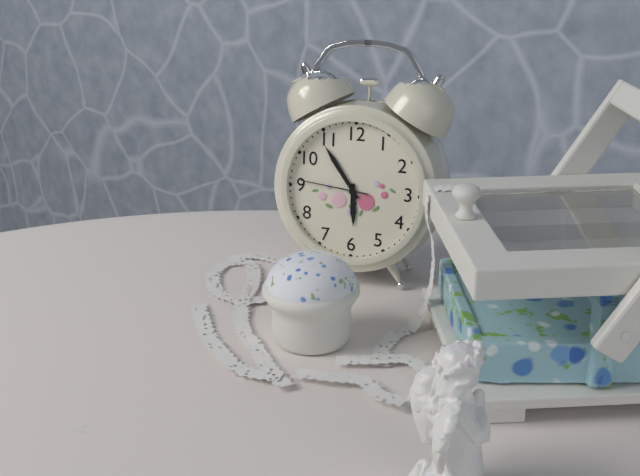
{"hour": 5, "minute": 54, "second": 46}
